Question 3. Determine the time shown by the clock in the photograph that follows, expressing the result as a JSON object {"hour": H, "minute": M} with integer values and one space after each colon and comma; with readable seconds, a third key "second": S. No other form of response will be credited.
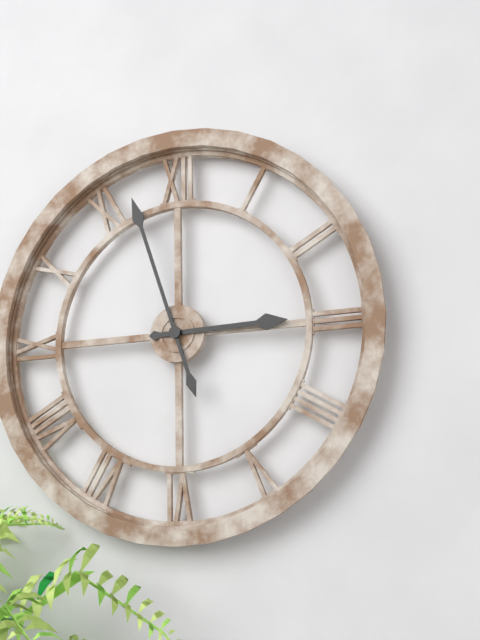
{"hour": 2, "minute": 57}
